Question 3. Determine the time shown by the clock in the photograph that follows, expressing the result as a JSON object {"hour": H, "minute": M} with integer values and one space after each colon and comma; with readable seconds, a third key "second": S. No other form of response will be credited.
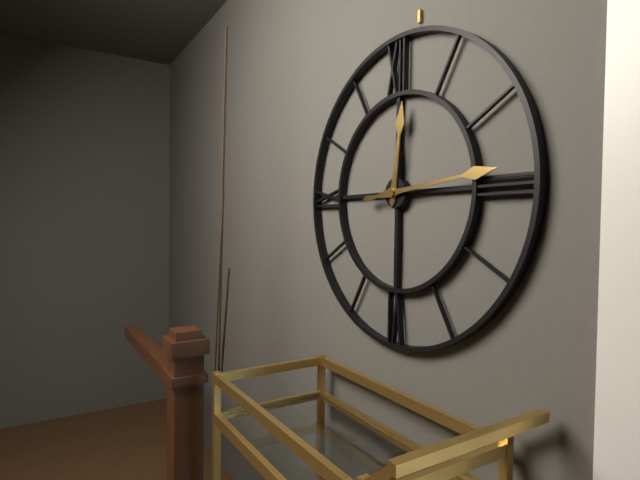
{"hour": 12, "minute": 14}
